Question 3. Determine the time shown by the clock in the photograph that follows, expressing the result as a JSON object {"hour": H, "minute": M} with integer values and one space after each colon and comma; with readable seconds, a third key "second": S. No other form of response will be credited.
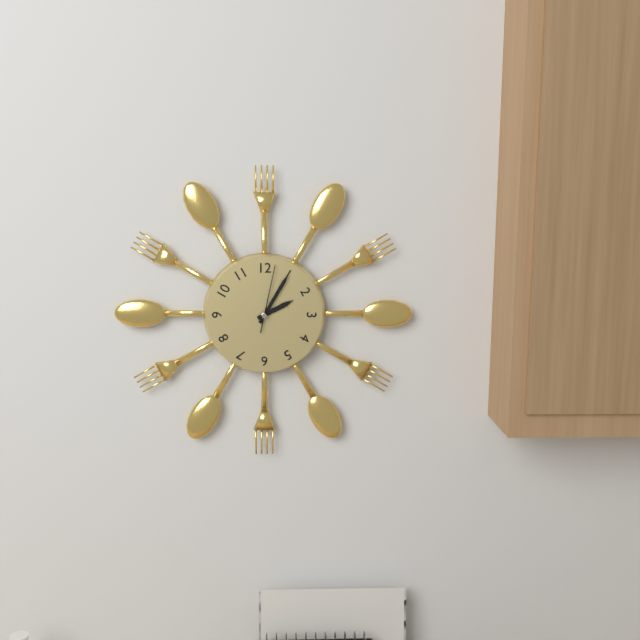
{"hour": 2, "minute": 5, "second": 2}
